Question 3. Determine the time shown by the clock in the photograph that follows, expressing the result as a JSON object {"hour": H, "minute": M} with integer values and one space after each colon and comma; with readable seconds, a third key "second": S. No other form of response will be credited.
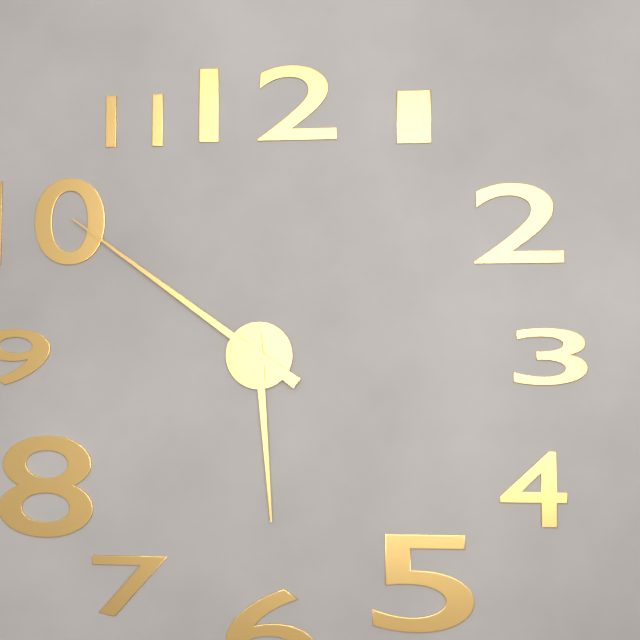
{"hour": 5, "minute": 51}
